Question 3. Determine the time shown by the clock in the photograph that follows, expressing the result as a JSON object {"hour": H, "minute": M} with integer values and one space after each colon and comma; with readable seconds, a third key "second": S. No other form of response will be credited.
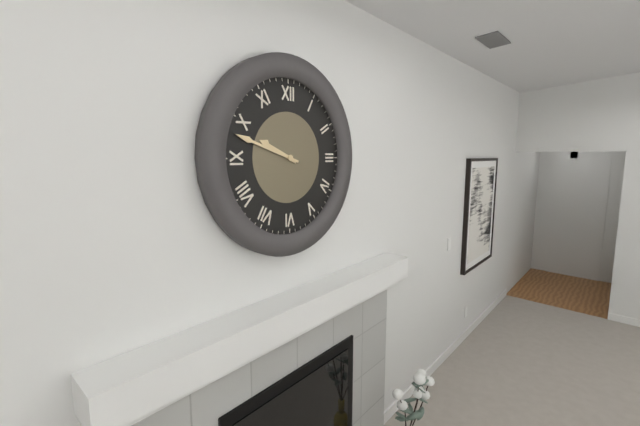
{"hour": 9, "minute": 48}
